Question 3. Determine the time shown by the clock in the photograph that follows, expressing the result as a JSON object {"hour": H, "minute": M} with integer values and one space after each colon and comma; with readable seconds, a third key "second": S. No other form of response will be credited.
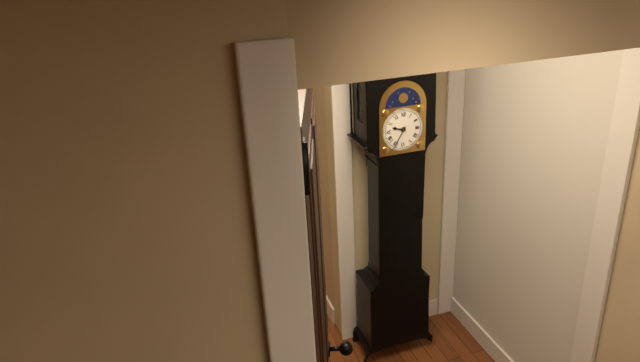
{"hour": 9, "minute": 35}
